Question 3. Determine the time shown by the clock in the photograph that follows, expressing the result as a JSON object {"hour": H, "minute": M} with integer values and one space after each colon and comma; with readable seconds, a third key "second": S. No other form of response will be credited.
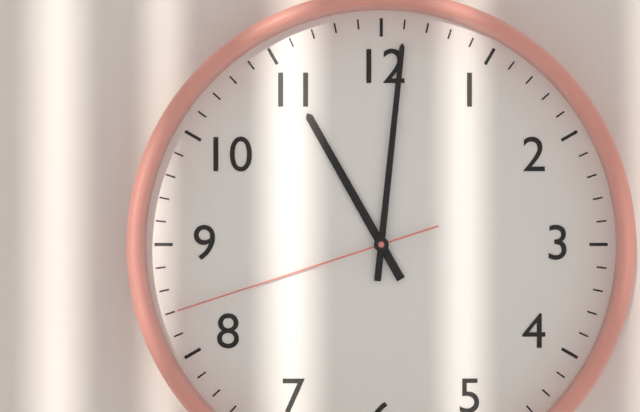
{"hour": 11, "minute": 1, "second": 42}
